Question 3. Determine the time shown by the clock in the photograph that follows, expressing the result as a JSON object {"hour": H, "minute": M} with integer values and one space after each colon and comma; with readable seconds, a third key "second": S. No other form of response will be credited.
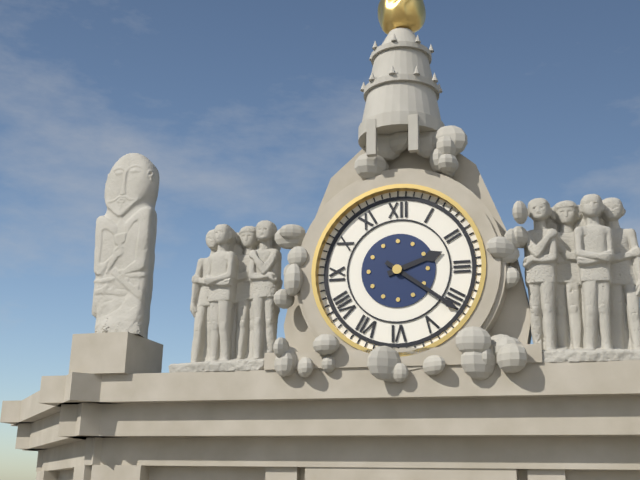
{"hour": 2, "minute": 21}
